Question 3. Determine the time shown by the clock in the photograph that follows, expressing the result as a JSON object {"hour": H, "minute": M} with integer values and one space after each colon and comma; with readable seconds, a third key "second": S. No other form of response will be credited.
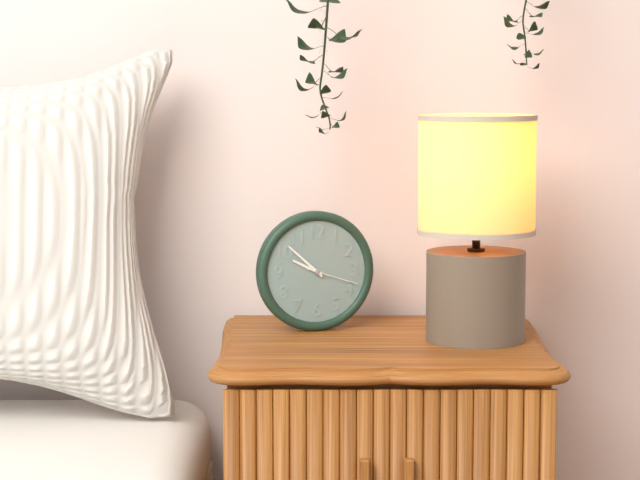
{"hour": 9, "minute": 52, "second": 18}
